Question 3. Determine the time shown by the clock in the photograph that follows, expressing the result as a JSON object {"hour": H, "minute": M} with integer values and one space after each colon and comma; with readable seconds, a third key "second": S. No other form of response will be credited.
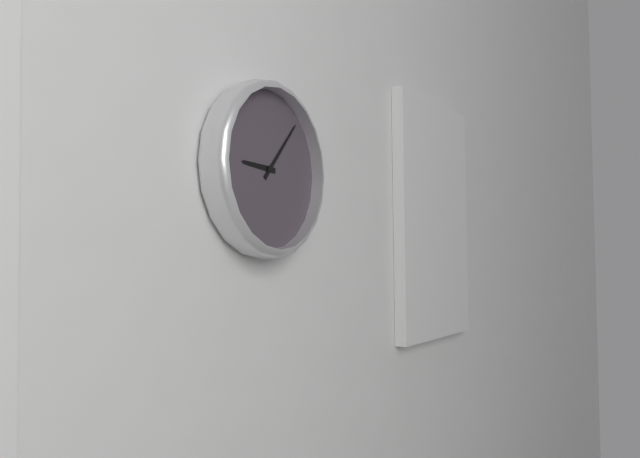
{"hour": 9, "minute": 7}
